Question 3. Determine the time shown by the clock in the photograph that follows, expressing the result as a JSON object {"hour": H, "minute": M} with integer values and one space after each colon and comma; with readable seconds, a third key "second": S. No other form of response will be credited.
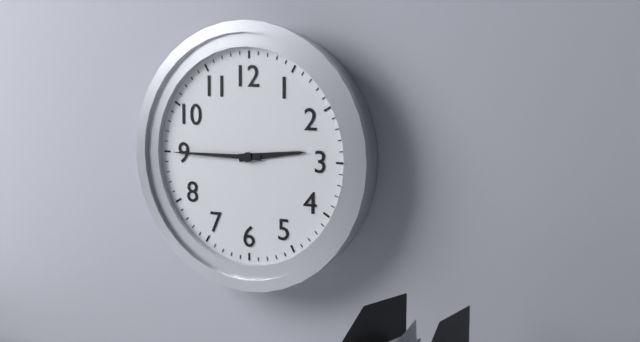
{"hour": 2, "minute": 45}
